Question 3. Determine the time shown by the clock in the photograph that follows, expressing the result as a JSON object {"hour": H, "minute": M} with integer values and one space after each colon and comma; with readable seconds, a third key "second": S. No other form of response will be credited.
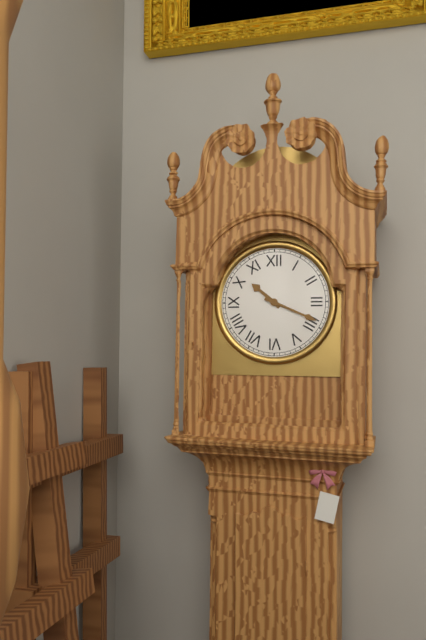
{"hour": 10, "minute": 19}
